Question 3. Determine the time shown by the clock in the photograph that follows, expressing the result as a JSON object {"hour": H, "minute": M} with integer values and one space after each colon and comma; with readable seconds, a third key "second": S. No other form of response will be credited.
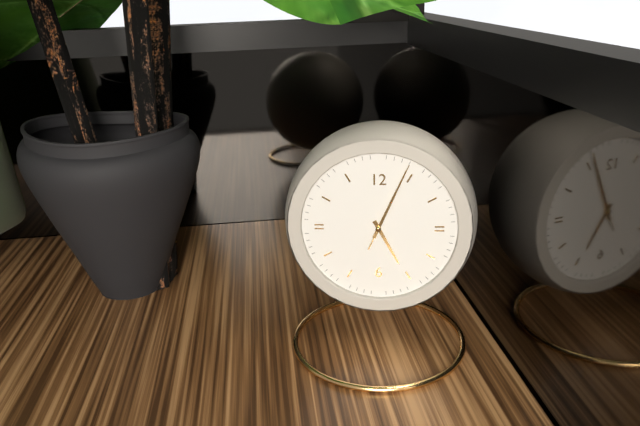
{"hour": 5, "minute": 4, "second": 4}
